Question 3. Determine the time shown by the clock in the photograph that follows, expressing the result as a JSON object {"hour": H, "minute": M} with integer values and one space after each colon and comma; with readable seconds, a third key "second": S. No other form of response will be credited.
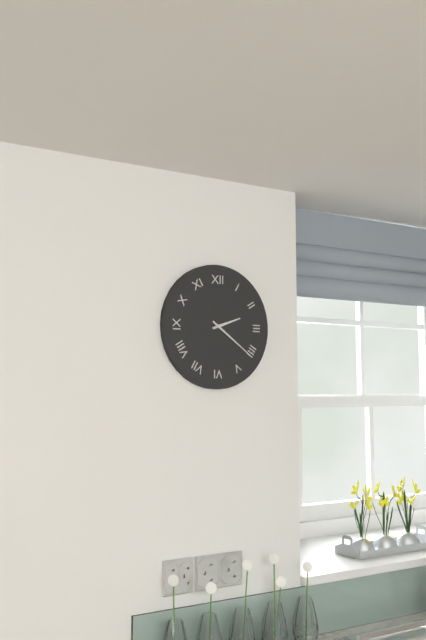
{"hour": 2, "minute": 21}
